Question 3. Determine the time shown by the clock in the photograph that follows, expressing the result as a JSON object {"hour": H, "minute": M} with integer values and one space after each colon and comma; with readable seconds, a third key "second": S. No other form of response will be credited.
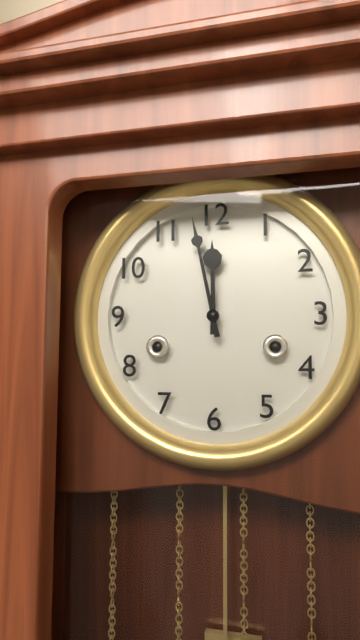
{"hour": 11, "minute": 58}
